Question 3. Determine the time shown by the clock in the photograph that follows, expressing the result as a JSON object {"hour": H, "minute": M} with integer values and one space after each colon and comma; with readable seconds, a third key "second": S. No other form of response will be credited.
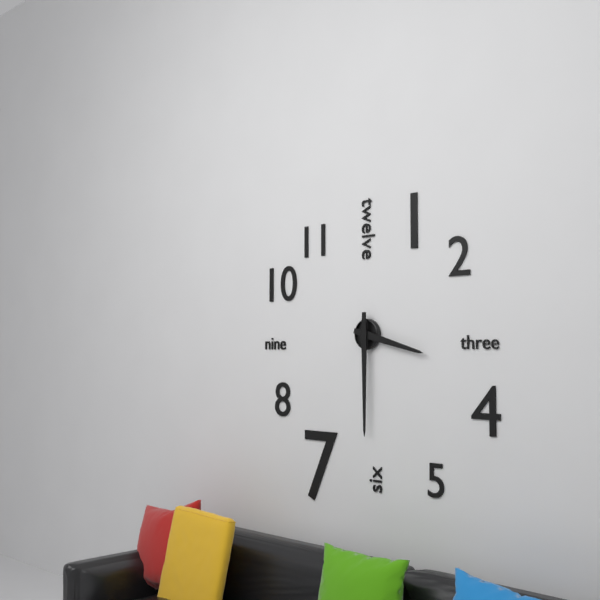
{"hour": 3, "minute": 30}
